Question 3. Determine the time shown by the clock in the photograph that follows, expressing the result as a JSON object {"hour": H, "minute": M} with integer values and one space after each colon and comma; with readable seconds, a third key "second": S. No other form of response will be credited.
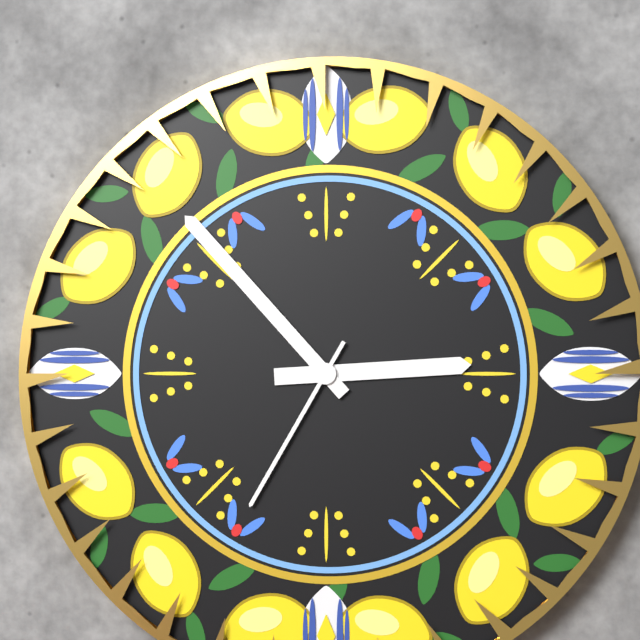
{"hour": 2, "minute": 53, "second": 35}
